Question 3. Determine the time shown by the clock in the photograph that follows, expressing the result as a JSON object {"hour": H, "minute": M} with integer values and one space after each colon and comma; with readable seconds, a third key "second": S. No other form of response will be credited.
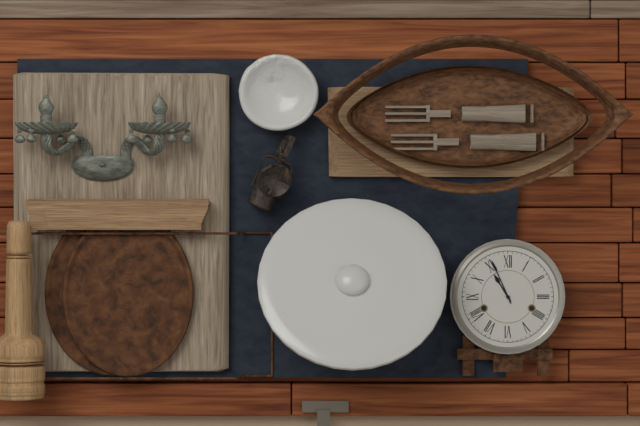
{"hour": 10, "minute": 56}
